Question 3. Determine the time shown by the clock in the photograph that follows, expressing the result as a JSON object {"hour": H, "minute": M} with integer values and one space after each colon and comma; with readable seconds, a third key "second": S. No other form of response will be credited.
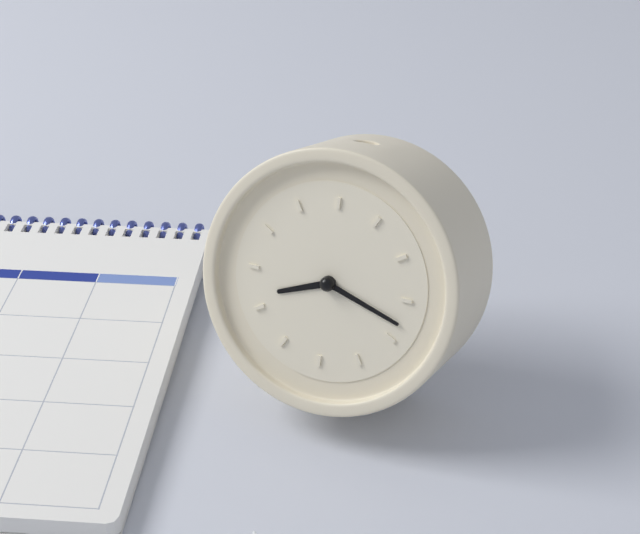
{"hour": 8, "minute": 18}
